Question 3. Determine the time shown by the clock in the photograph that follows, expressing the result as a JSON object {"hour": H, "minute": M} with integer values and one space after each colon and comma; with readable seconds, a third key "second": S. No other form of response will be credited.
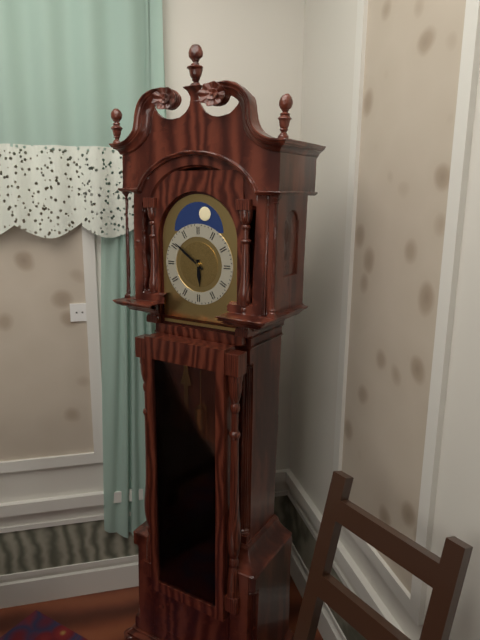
{"hour": 5, "minute": 51}
